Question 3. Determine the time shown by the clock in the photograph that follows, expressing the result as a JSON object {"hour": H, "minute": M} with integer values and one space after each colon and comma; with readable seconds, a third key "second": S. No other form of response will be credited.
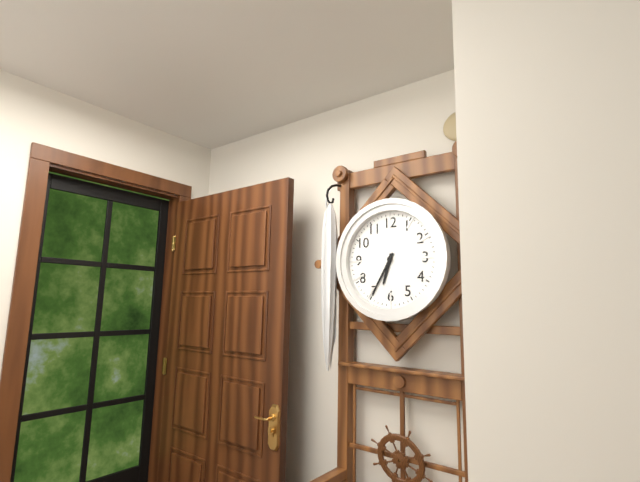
{"hour": 6, "minute": 35}
